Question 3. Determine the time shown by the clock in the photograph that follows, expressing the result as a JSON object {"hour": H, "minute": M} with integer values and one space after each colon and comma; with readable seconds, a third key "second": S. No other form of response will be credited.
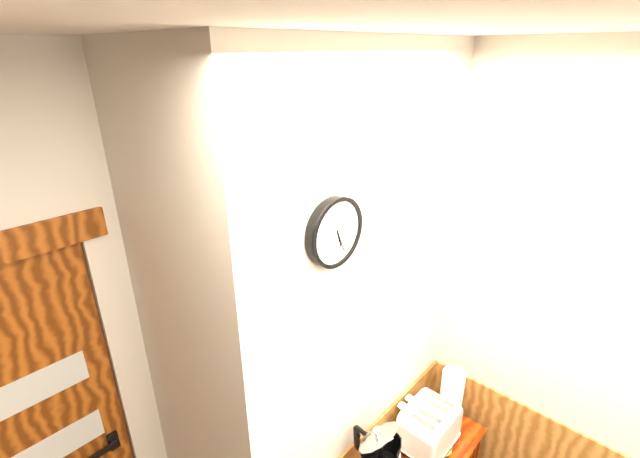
{"hour": 5, "minute": 26}
